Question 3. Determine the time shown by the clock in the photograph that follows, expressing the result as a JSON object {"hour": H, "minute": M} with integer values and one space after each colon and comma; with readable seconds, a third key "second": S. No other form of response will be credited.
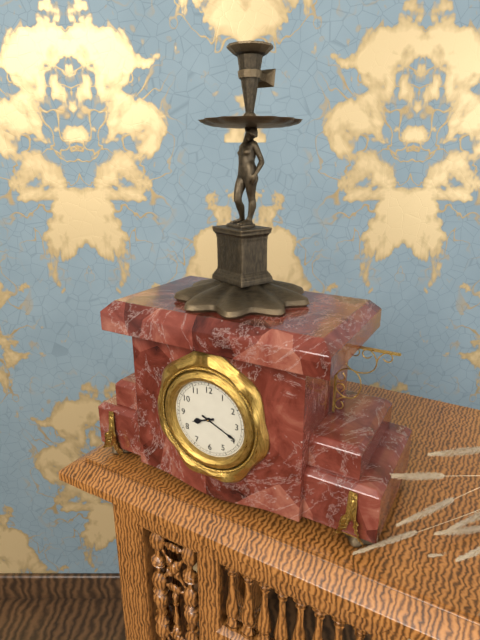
{"hour": 8, "minute": 19}
